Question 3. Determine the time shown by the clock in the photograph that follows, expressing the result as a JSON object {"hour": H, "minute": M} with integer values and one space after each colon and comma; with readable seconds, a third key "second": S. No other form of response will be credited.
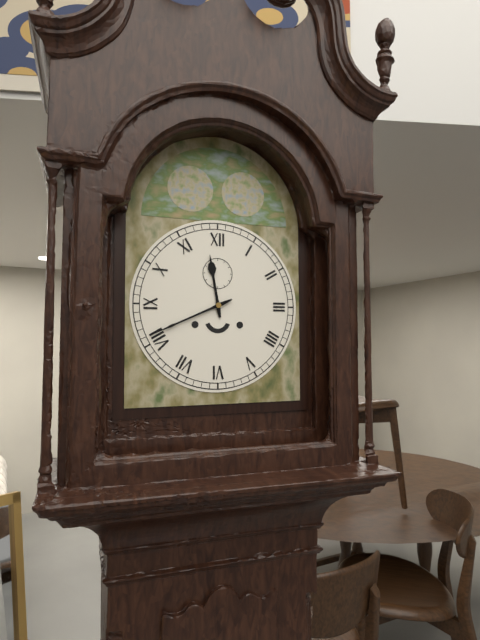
{"hour": 11, "minute": 41}
